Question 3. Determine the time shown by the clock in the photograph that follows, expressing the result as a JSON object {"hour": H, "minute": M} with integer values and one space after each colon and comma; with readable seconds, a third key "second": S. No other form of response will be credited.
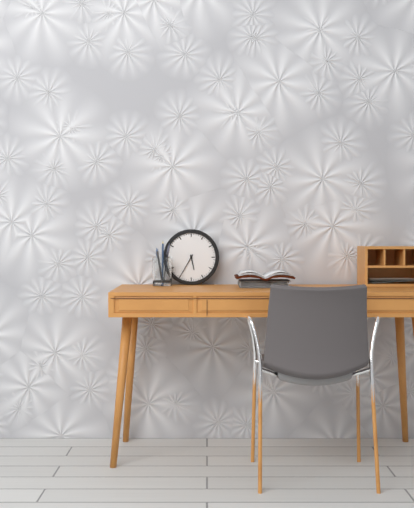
{"hour": 5, "minute": 35}
